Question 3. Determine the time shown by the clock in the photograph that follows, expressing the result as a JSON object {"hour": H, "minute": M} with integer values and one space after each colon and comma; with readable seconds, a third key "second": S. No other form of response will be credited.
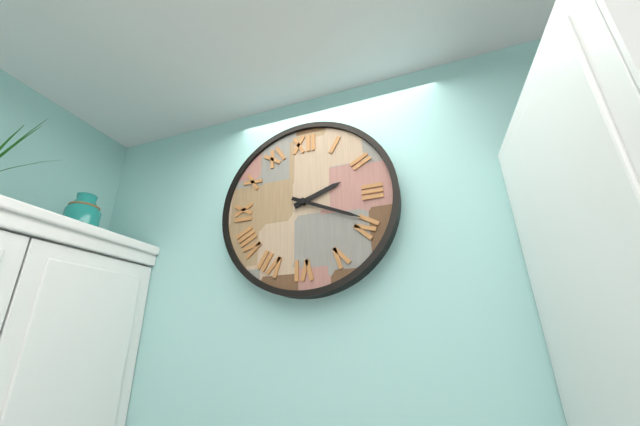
{"hour": 2, "minute": 19}
